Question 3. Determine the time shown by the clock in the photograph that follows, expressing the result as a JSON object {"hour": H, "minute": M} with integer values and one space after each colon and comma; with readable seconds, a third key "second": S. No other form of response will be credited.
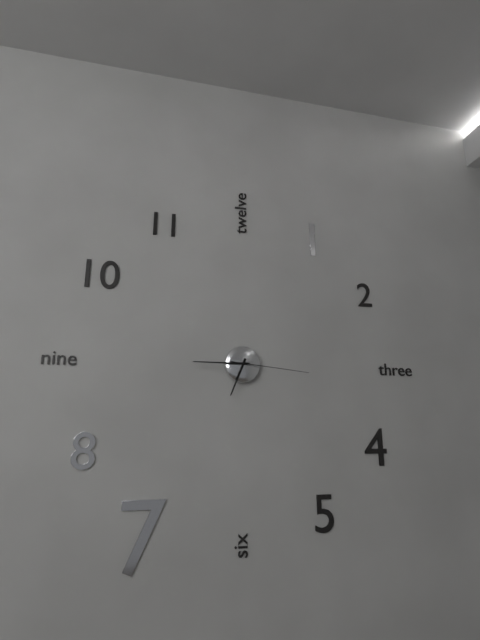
{"hour": 6, "minute": 45, "second": 16}
